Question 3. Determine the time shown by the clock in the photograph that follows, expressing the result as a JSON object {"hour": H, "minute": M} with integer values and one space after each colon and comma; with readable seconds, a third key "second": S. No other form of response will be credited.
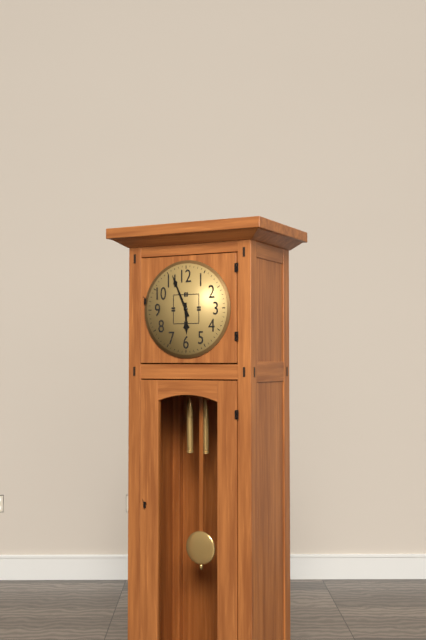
{"hour": 5, "minute": 56}
